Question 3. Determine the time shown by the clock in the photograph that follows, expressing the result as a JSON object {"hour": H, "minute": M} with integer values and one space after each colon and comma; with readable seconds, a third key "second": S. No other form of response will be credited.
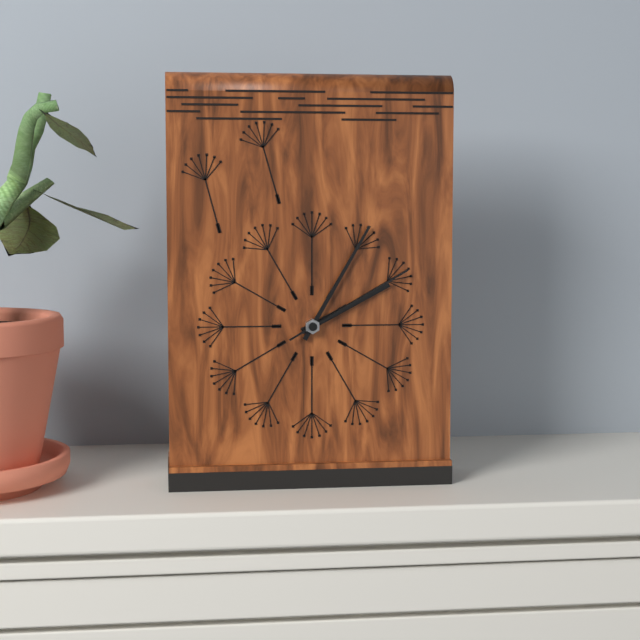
{"hour": 2, "minute": 5, "second": 10}
